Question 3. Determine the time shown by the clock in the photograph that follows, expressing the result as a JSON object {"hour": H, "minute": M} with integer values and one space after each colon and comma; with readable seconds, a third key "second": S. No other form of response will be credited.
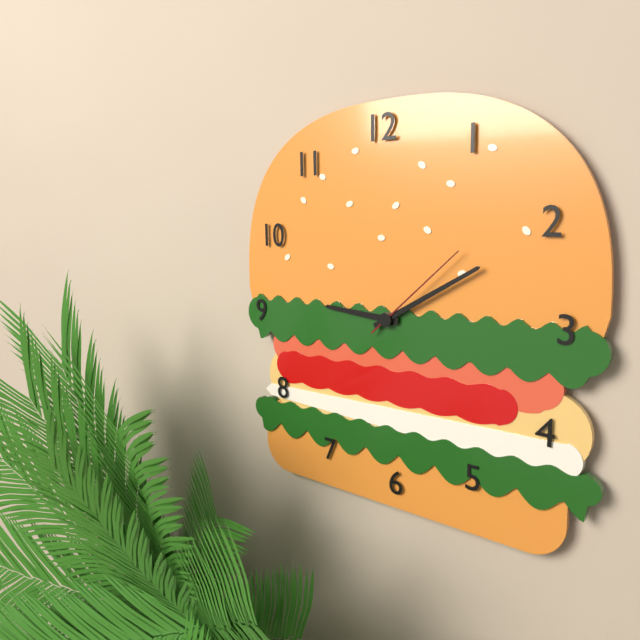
{"hour": 9, "minute": 10, "second": 8}
